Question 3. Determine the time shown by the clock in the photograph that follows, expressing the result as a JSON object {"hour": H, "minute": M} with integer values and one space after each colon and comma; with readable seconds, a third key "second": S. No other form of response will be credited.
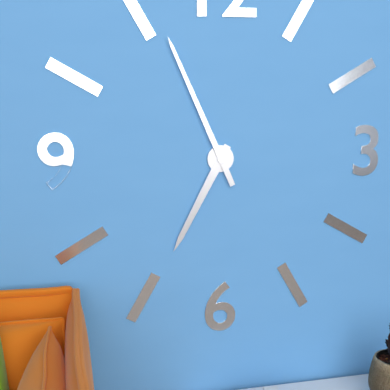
{"hour": 6, "minute": 56}
